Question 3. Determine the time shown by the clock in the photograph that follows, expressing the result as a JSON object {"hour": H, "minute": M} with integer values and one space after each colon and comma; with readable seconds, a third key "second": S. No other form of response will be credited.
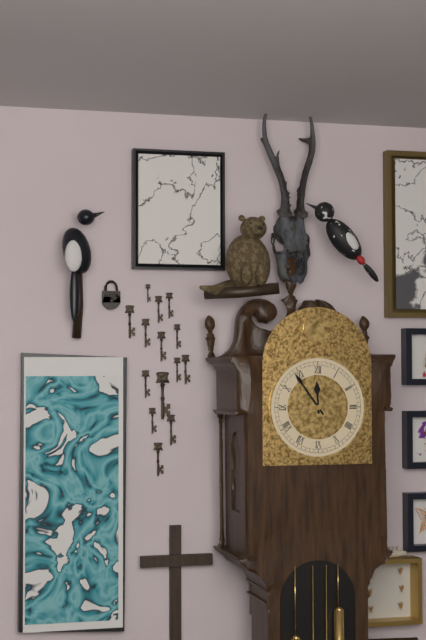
{"hour": 11, "minute": 54}
